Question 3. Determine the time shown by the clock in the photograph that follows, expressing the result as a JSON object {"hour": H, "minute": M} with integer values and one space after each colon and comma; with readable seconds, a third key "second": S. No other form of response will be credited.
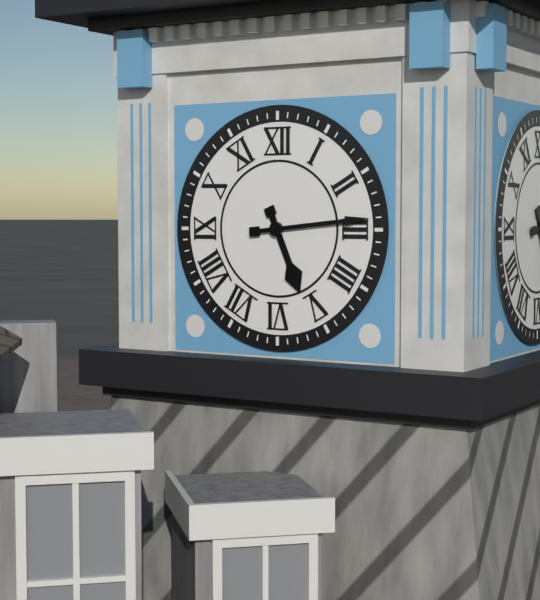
{"hour": 5, "minute": 14}
